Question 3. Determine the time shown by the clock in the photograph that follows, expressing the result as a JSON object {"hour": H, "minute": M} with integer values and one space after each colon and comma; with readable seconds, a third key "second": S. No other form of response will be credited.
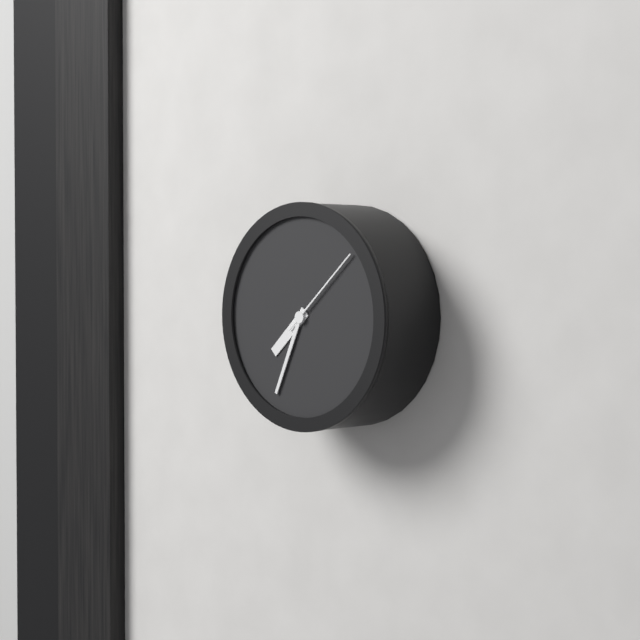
{"hour": 7, "minute": 34, "second": 8}
